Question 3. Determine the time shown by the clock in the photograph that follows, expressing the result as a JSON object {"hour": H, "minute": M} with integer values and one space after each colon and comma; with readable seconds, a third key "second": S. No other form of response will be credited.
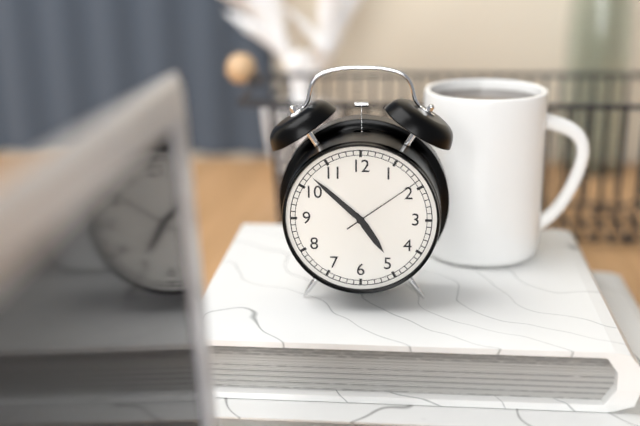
{"hour": 4, "minute": 52, "second": 9}
